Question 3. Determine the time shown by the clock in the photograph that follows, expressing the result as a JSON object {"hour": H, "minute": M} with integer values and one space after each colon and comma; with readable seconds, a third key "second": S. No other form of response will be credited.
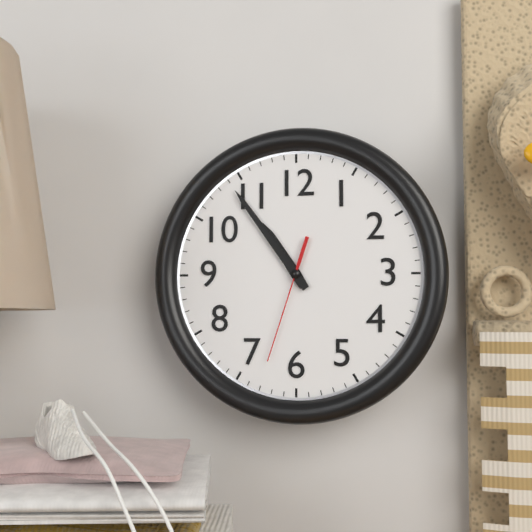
{"hour": 10, "minute": 54, "second": 33}
